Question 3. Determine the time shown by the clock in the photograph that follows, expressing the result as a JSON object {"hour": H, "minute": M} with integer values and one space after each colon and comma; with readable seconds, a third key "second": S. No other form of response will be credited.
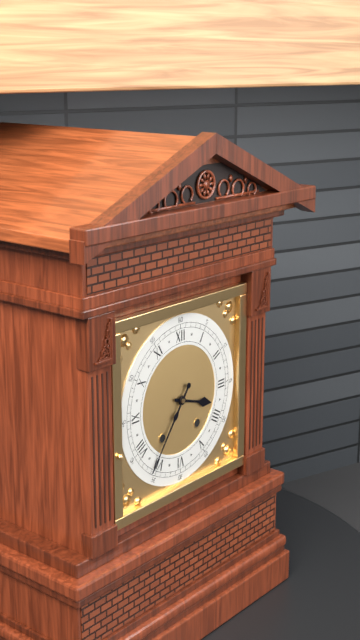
{"hour": 3, "minute": 36}
